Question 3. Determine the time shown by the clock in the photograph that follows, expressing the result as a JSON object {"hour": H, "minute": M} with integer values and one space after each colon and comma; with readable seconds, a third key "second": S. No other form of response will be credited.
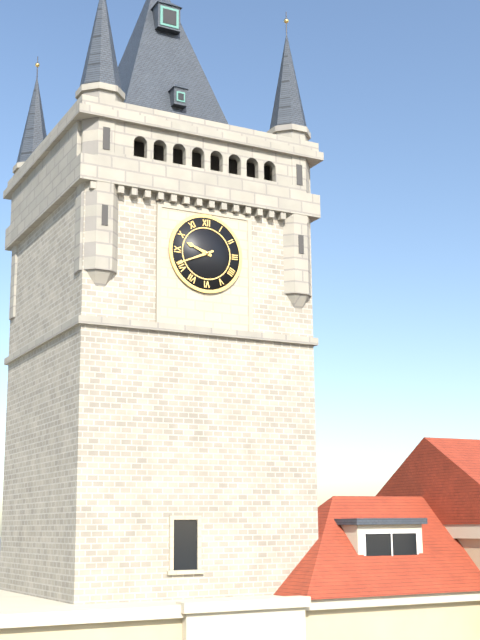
{"hour": 9, "minute": 41}
